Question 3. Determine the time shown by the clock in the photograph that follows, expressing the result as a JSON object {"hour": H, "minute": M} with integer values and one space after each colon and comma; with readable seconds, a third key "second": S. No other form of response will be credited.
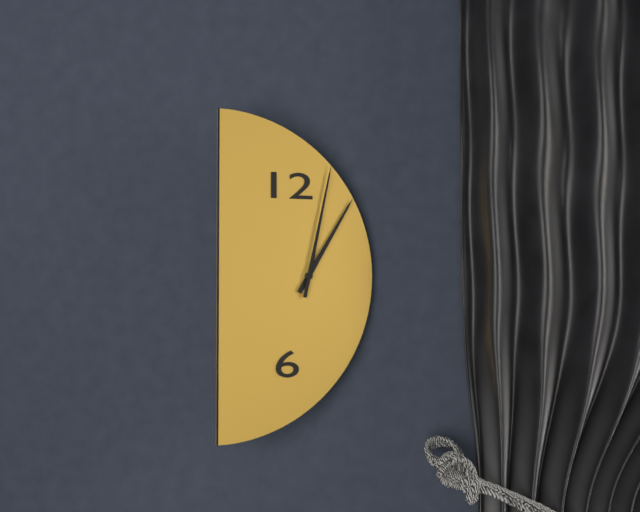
{"hour": 1, "minute": 2}
